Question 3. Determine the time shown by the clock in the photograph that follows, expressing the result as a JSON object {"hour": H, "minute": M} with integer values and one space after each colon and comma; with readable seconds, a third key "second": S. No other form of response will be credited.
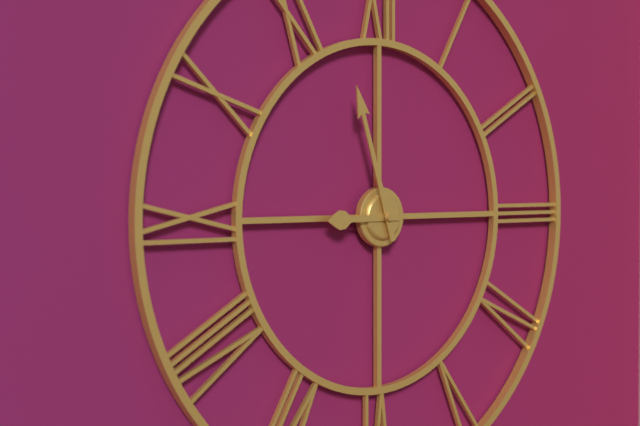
{"hour": 8, "minute": 57}
